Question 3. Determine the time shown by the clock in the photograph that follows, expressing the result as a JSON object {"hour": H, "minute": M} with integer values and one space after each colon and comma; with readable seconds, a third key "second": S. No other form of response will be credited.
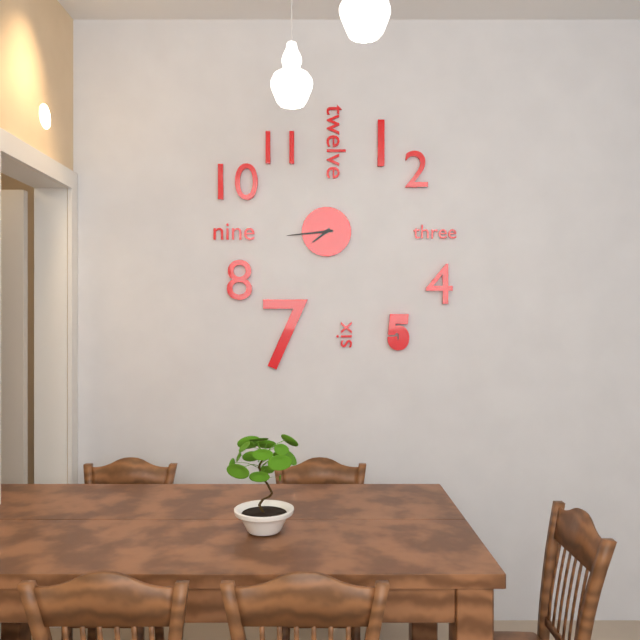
{"hour": 7, "minute": 44}
